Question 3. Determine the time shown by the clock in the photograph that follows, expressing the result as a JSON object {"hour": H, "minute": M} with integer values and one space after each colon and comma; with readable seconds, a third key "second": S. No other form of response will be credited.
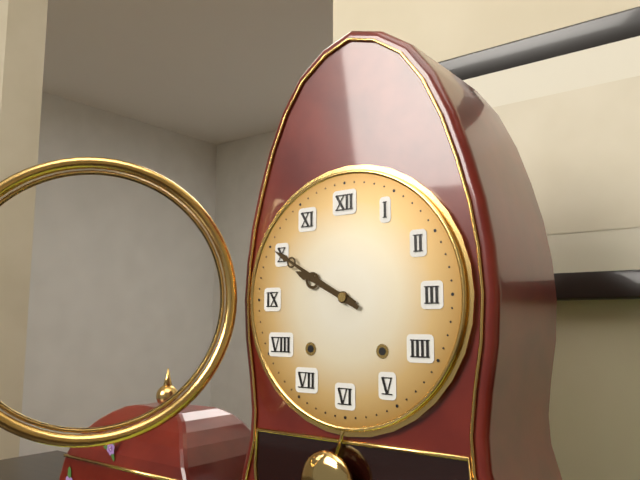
{"hour": 9, "minute": 50}
